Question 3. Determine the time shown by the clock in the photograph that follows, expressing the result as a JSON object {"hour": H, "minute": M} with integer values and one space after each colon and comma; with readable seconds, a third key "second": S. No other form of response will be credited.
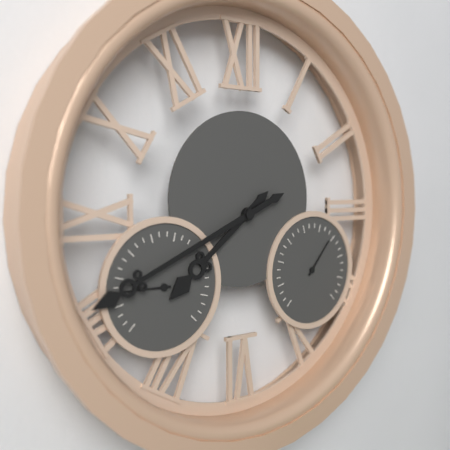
{"hour": 7, "minute": 41}
